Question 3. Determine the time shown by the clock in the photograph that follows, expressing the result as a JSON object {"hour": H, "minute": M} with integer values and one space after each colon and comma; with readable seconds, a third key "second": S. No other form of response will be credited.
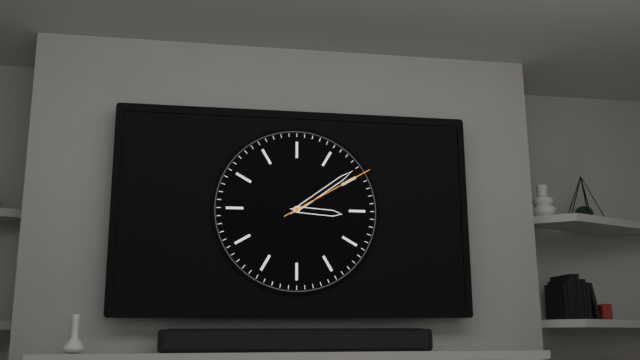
{"hour": 3, "minute": 9, "second": 10}
